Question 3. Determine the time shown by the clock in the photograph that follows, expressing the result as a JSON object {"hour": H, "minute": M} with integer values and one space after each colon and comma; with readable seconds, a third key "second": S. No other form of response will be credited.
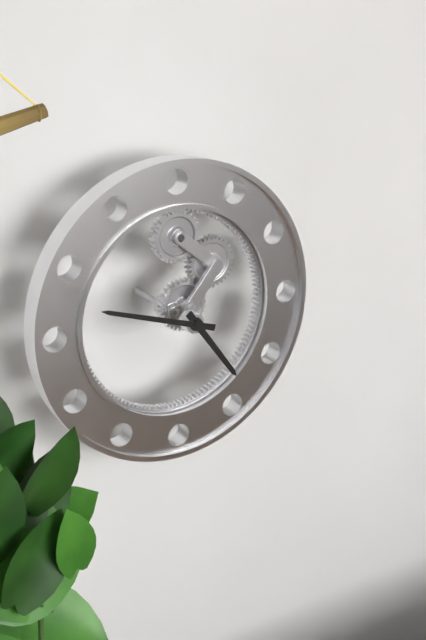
{"hour": 4, "minute": 48}
